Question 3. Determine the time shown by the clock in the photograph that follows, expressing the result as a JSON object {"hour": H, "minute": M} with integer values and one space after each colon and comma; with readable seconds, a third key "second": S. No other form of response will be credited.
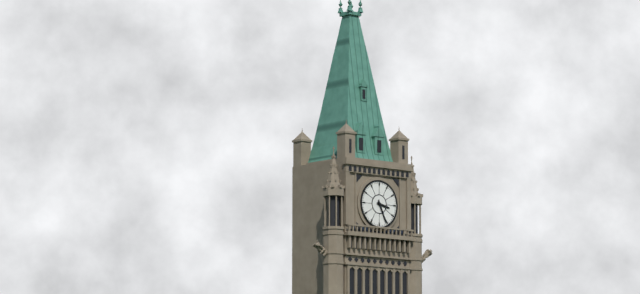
{"hour": 3, "minute": 26}
